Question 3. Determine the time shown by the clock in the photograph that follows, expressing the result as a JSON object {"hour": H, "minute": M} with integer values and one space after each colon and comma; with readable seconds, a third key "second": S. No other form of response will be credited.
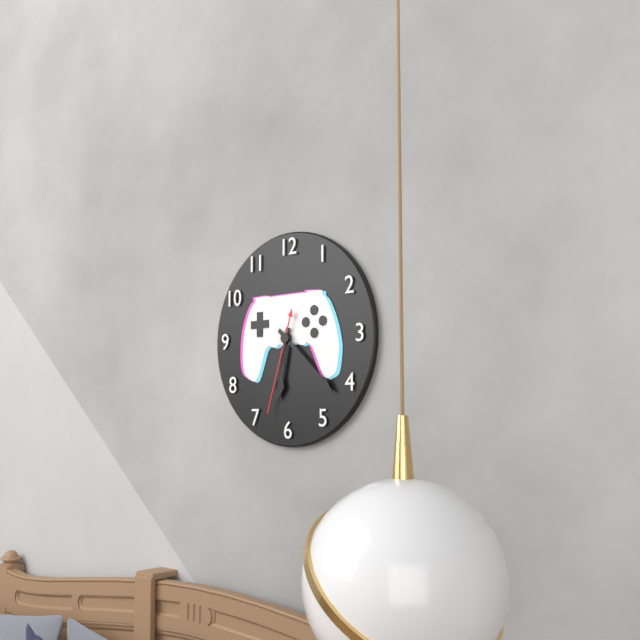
{"hour": 6, "minute": 22, "second": 33}
